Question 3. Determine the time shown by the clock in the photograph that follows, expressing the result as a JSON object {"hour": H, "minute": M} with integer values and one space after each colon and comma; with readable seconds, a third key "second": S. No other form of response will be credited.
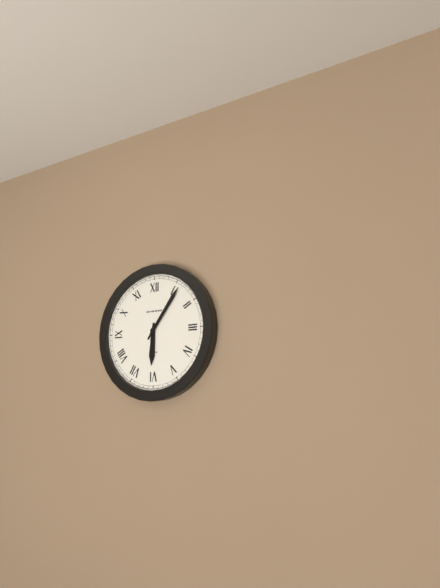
{"hour": 6, "minute": 6}
